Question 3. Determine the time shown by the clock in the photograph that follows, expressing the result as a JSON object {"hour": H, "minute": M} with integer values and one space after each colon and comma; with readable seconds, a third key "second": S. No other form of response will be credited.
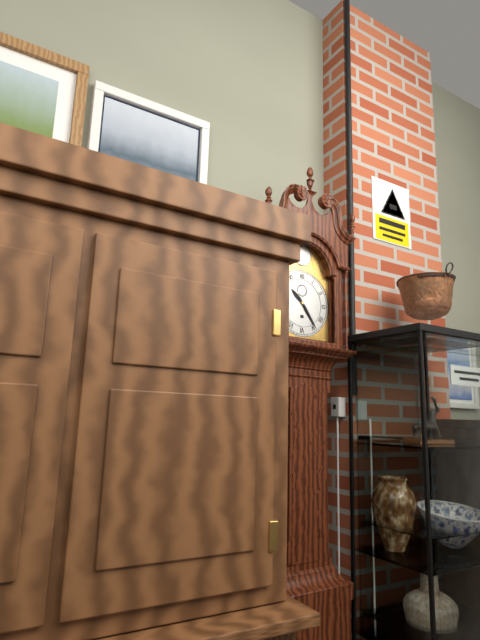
{"hour": 10, "minute": 24}
